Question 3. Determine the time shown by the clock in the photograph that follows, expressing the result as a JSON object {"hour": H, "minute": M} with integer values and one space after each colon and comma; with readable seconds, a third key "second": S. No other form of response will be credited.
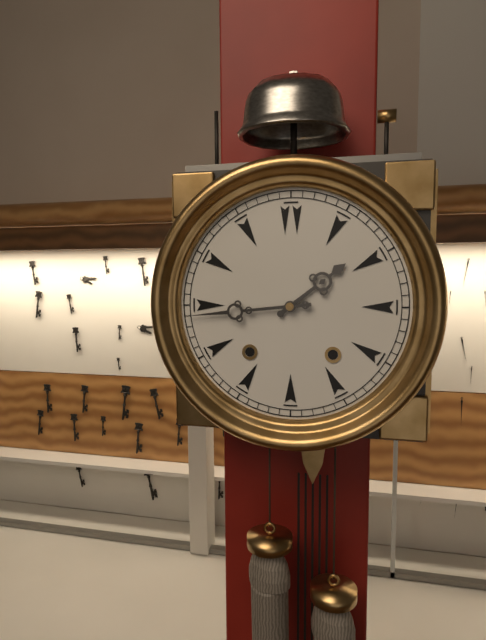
{"hour": 1, "minute": 44}
